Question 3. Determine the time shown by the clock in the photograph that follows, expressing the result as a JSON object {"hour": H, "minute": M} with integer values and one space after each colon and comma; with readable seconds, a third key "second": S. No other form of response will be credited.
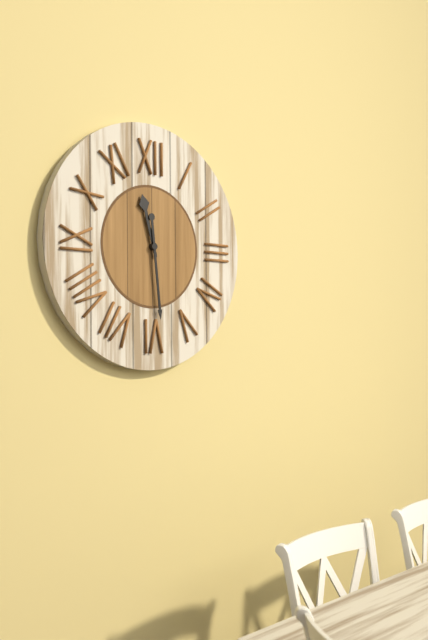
{"hour": 11, "minute": 29}
